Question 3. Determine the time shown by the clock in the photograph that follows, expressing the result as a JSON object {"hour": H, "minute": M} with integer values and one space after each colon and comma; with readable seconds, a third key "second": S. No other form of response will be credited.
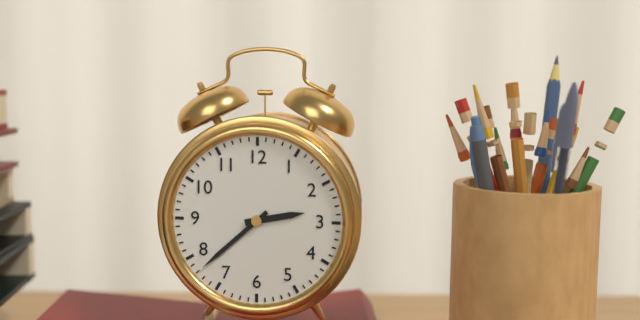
{"hour": 2, "minute": 38}
